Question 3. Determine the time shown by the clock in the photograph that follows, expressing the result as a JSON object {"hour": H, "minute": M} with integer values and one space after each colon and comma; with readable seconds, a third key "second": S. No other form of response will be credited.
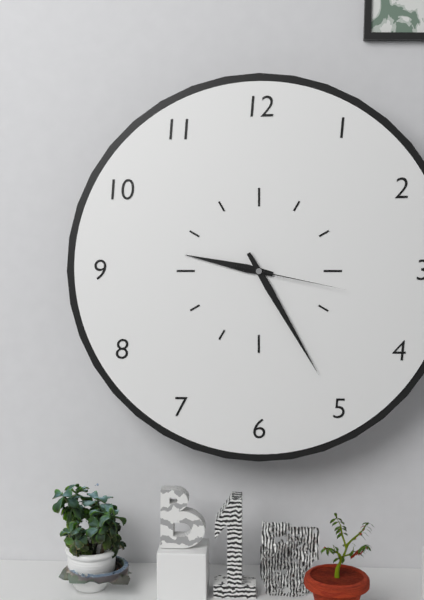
{"hour": 9, "minute": 25, "second": 17}
